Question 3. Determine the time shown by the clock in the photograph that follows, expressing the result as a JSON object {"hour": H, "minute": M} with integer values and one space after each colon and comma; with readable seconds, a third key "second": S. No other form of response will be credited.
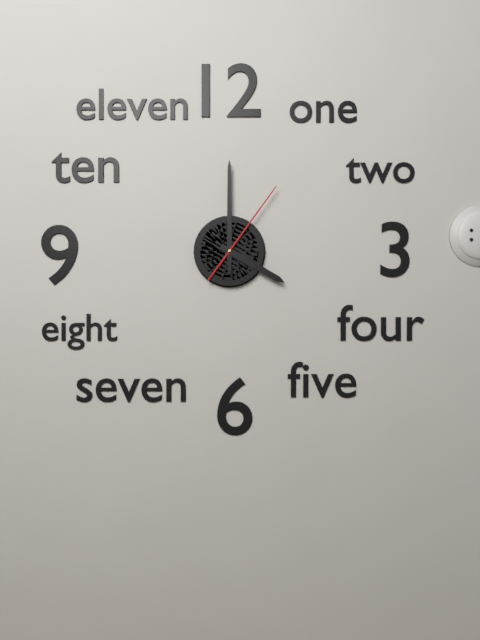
{"hour": 4, "minute": 0, "second": 6}
